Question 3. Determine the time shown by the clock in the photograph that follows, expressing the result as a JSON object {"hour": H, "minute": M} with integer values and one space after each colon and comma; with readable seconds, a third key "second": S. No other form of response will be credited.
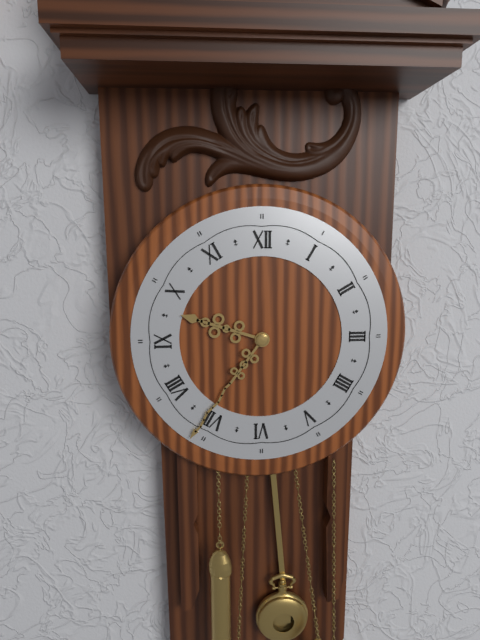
{"hour": 9, "minute": 36}
